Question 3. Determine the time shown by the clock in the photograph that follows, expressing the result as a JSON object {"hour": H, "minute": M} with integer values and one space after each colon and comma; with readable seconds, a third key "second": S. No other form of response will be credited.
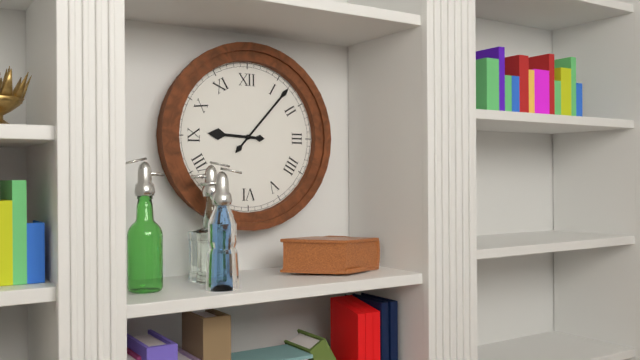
{"hour": 9, "minute": 7}
